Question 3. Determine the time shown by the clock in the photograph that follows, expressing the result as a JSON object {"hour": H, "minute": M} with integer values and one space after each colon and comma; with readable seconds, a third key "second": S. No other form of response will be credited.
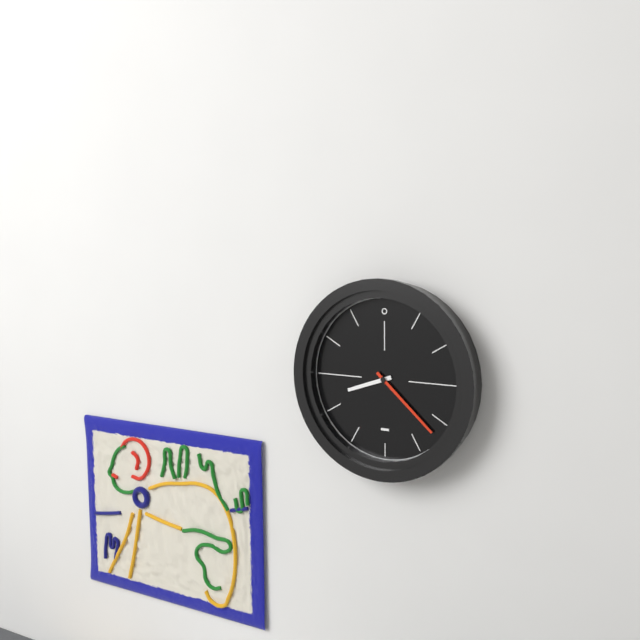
{"hour": 8, "minute": 22}
